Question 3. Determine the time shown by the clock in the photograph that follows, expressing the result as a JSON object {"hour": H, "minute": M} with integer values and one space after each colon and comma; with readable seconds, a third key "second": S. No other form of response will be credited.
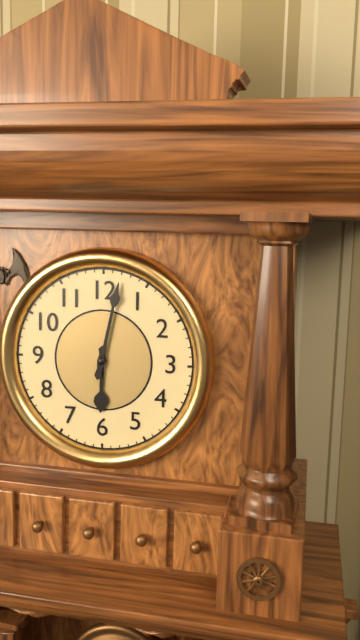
{"hour": 6, "minute": 2}
